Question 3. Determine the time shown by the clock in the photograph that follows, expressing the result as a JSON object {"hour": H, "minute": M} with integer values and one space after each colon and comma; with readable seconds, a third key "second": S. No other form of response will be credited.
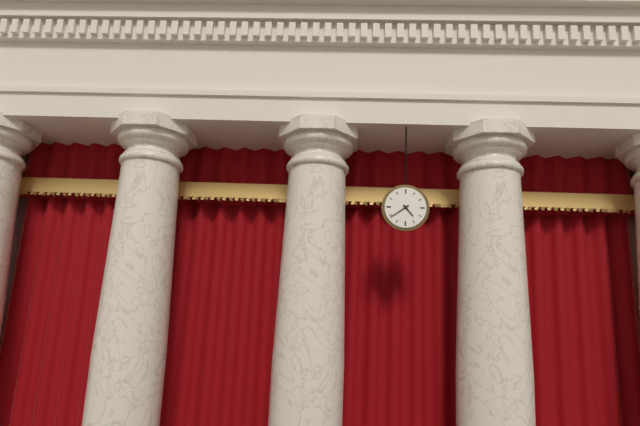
{"hour": 4, "minute": 39}
